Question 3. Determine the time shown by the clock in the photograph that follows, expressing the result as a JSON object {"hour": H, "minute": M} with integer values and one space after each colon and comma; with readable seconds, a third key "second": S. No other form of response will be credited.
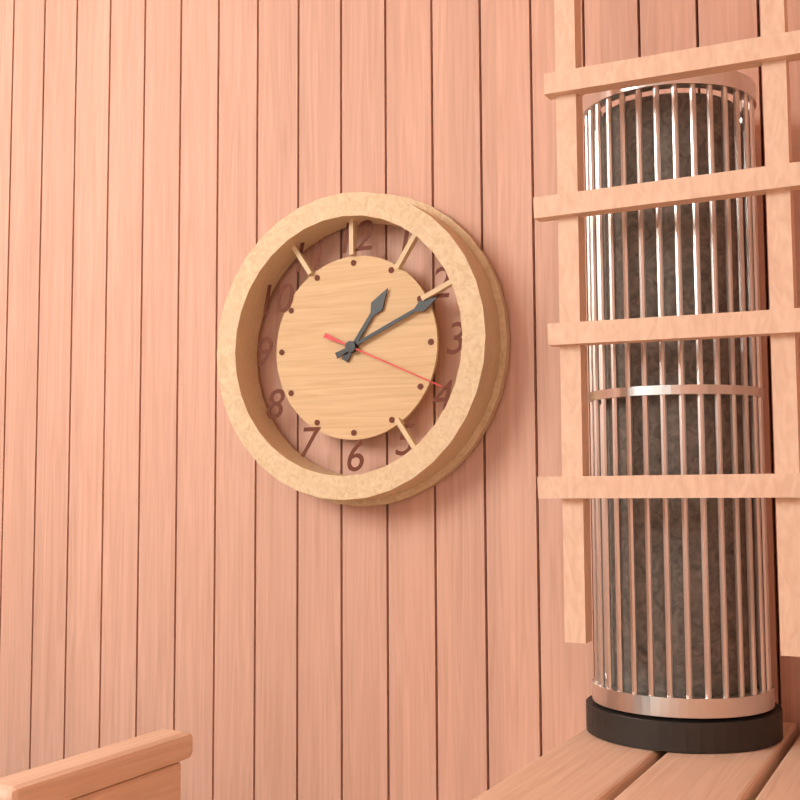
{"hour": 1, "minute": 11, "second": 19}
